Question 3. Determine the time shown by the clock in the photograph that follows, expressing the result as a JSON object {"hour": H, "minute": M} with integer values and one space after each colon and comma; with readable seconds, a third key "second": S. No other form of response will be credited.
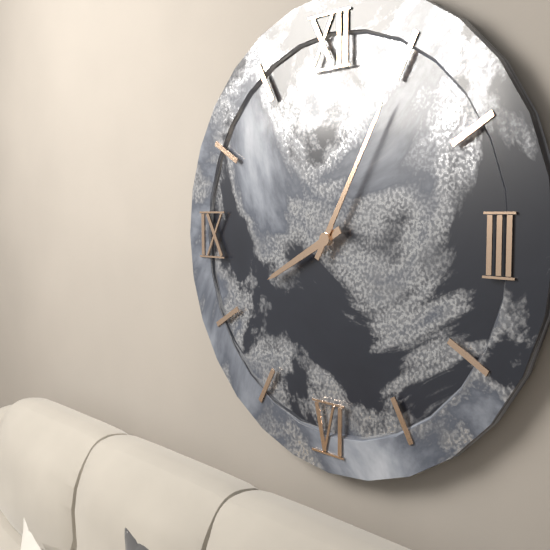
{"hour": 8, "minute": 5}
